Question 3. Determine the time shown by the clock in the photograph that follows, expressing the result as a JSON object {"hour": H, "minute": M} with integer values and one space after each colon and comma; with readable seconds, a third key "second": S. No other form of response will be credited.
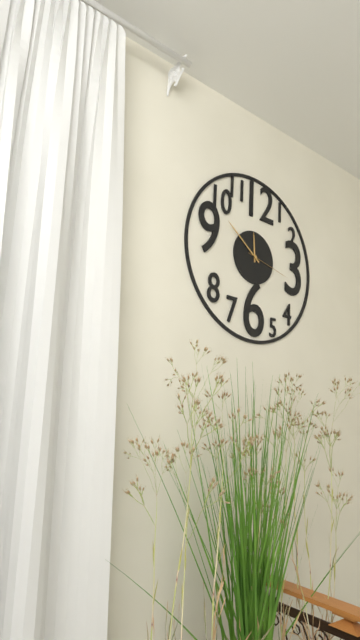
{"hour": 11, "minute": 51}
